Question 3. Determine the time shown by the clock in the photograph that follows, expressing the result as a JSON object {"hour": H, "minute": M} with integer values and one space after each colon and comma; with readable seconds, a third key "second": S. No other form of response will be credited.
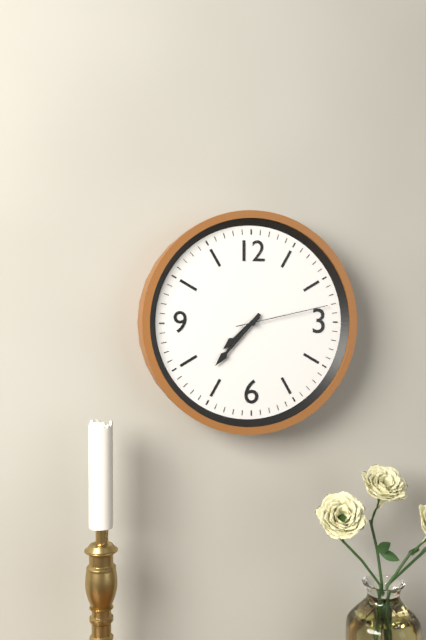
{"hour": 7, "minute": 37, "second": 13}
